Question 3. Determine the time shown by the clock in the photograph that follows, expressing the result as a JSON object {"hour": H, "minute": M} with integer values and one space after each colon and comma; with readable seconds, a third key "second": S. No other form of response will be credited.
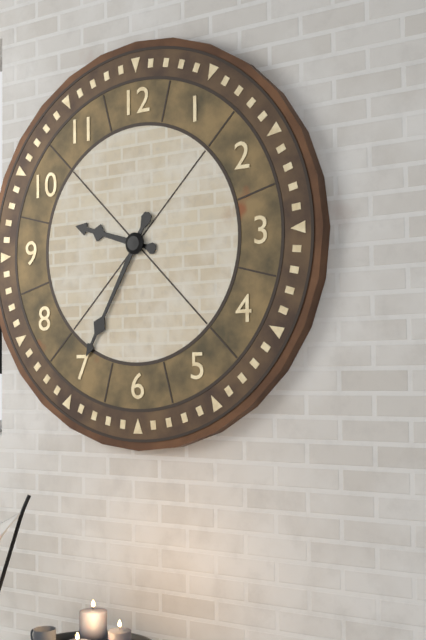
{"hour": 9, "minute": 35}
